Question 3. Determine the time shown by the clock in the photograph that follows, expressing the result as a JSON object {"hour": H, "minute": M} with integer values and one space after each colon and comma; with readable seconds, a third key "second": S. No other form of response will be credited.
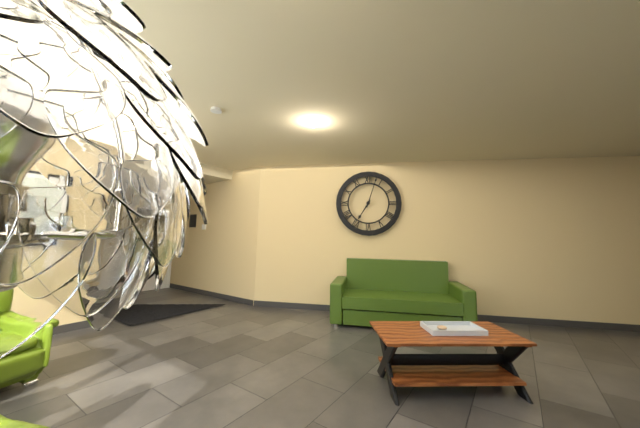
{"hour": 7, "minute": 3}
